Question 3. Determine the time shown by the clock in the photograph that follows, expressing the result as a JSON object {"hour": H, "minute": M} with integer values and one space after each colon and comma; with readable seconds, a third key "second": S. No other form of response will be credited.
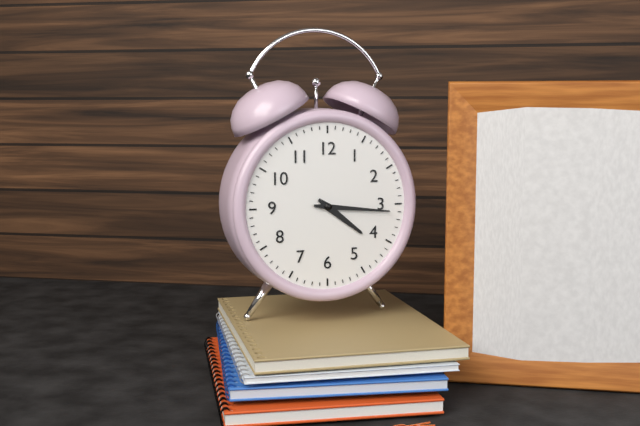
{"hour": 4, "minute": 16}
